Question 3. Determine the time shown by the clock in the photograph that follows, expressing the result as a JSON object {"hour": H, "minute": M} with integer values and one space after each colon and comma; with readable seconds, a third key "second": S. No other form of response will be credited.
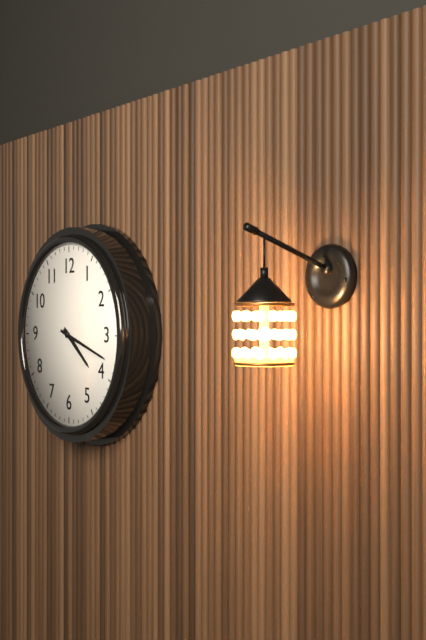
{"hour": 4, "minute": 18}
